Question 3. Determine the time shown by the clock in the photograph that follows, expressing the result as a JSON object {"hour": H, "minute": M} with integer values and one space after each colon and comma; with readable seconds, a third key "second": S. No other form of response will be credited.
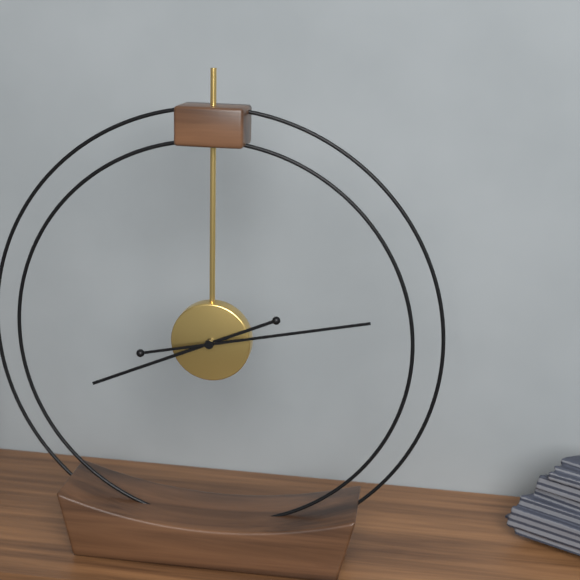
{"hour": 8, "minute": 13}
